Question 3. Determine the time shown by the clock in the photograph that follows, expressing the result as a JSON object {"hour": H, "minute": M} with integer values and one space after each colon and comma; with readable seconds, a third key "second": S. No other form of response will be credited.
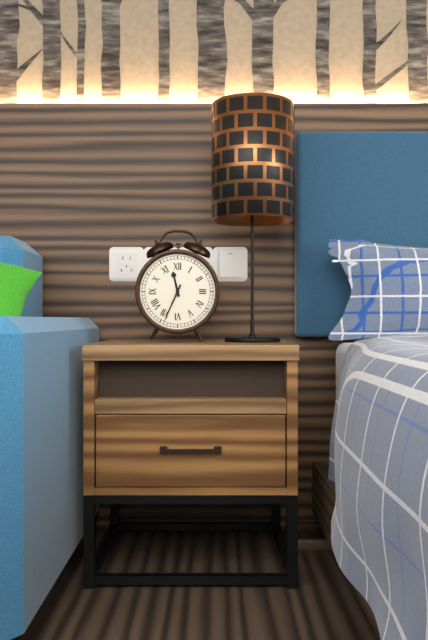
{"hour": 11, "minute": 34}
